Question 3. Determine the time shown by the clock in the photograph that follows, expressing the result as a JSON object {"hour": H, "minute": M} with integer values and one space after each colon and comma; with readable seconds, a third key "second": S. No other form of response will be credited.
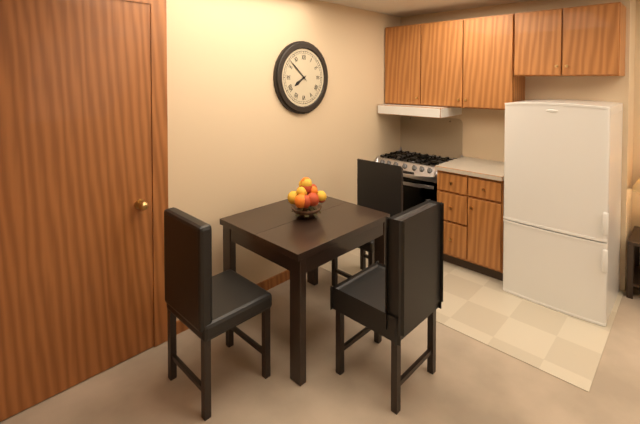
{"hour": 7, "minute": 52}
